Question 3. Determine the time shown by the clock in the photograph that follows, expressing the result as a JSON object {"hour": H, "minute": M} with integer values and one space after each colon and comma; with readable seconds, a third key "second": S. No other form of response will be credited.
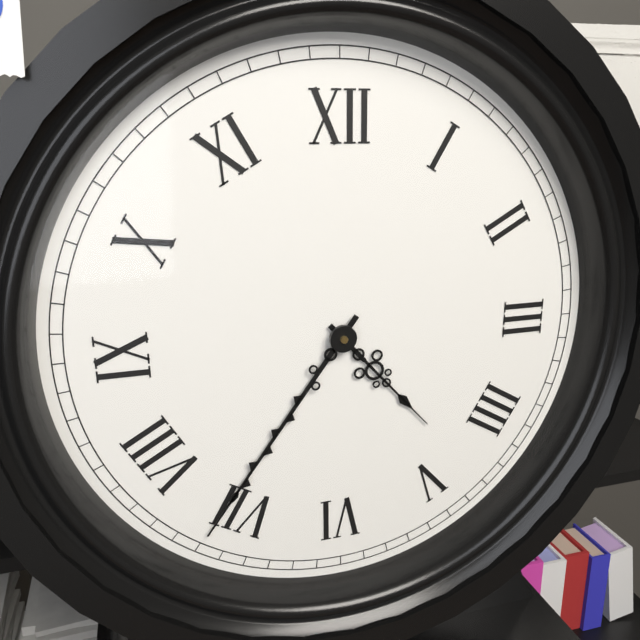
{"hour": 4, "minute": 36}
